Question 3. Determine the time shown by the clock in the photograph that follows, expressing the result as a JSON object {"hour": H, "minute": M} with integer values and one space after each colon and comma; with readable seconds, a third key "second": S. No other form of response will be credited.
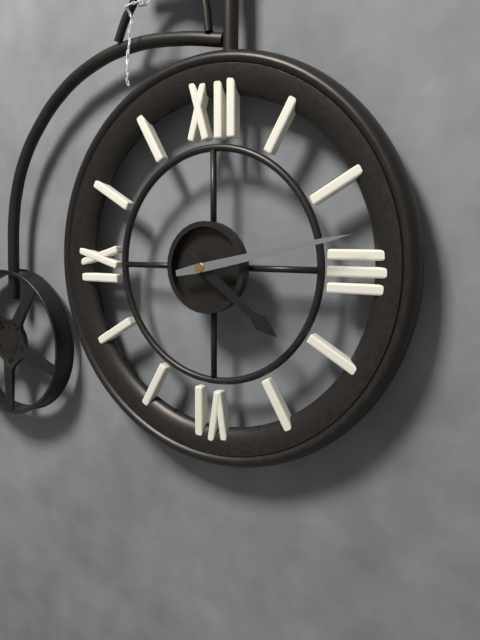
{"hour": 4, "minute": 13}
